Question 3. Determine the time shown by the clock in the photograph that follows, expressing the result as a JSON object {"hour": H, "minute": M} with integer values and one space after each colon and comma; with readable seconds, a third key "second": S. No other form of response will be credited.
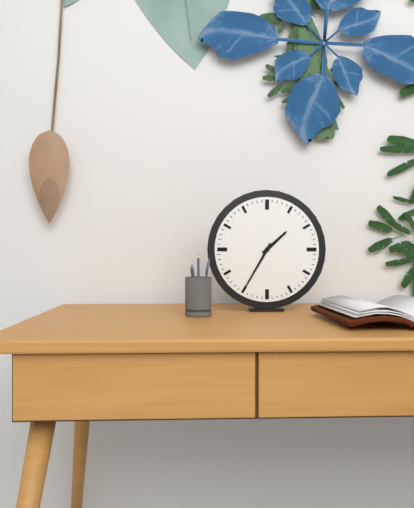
{"hour": 1, "minute": 35}
